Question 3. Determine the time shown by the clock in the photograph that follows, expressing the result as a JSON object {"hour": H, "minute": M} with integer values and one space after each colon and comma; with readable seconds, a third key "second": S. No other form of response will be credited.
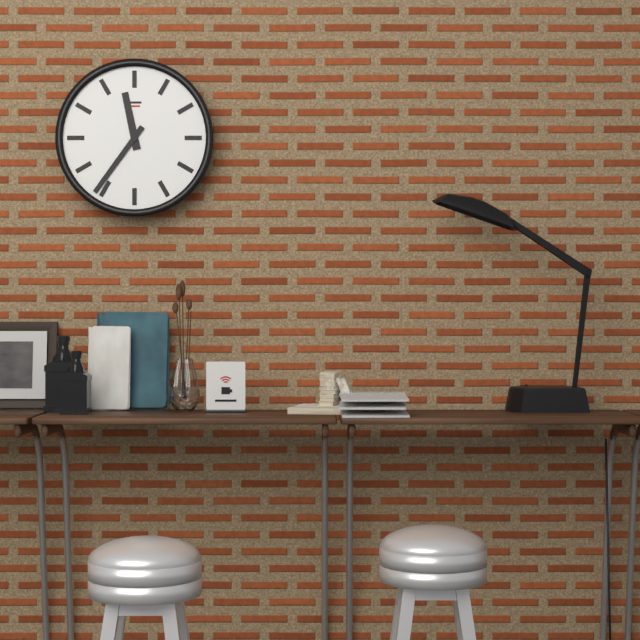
{"hour": 11, "minute": 36}
